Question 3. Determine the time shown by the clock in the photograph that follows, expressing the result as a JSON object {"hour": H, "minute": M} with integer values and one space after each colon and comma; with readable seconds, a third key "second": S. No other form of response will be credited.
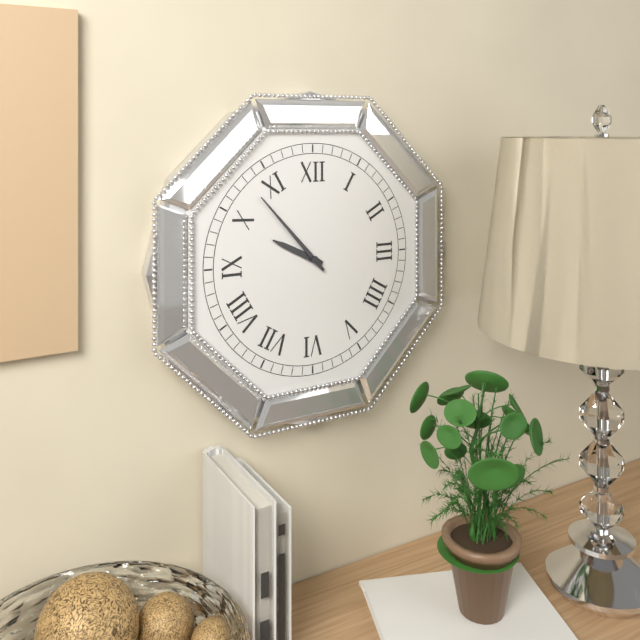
{"hour": 9, "minute": 53}
